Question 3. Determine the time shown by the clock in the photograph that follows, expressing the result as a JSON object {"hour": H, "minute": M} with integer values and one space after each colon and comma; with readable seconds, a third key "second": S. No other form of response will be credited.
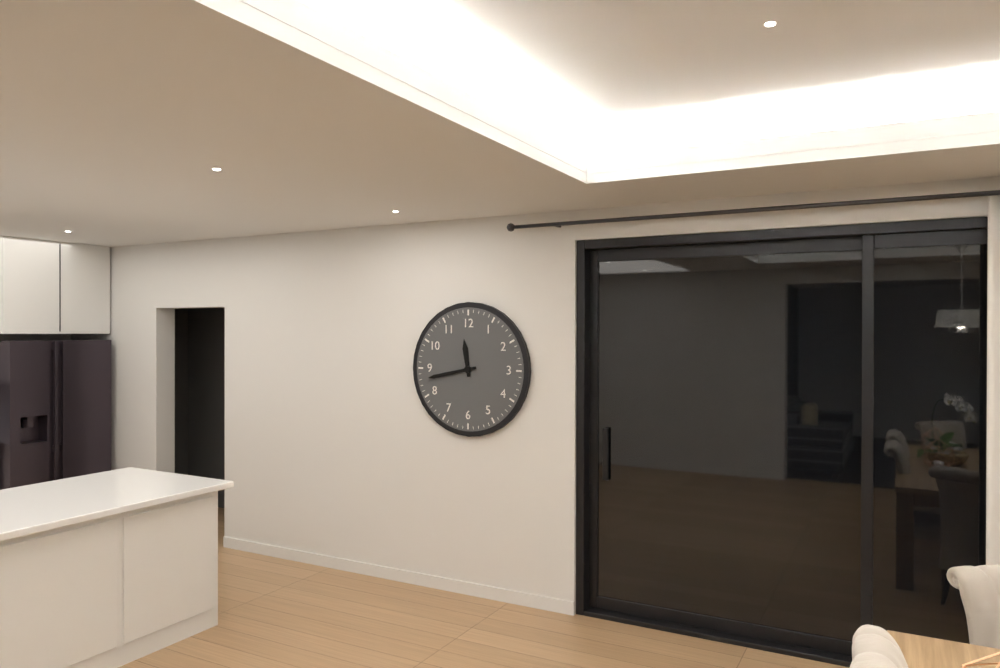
{"hour": 11, "minute": 43}
